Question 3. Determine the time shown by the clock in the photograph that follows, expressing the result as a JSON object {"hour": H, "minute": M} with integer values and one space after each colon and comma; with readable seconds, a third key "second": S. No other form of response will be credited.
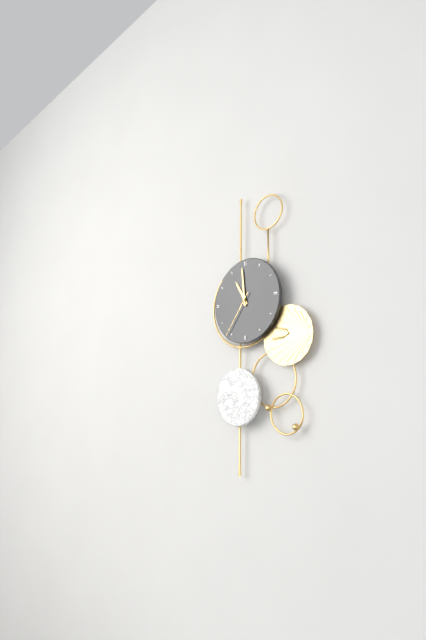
{"hour": 10, "minute": 59, "second": 36}
